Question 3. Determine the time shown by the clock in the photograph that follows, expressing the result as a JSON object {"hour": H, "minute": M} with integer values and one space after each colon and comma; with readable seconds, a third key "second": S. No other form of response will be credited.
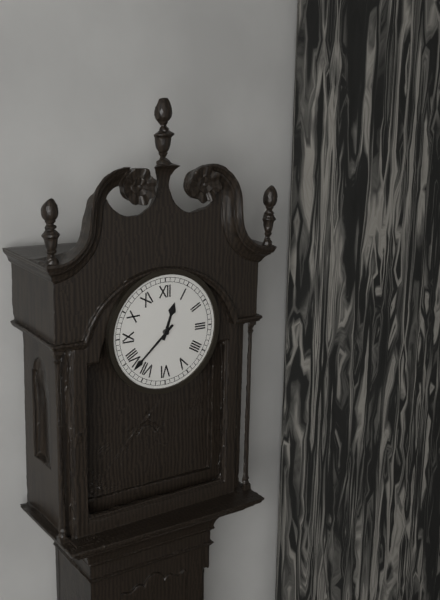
{"hour": 12, "minute": 38}
